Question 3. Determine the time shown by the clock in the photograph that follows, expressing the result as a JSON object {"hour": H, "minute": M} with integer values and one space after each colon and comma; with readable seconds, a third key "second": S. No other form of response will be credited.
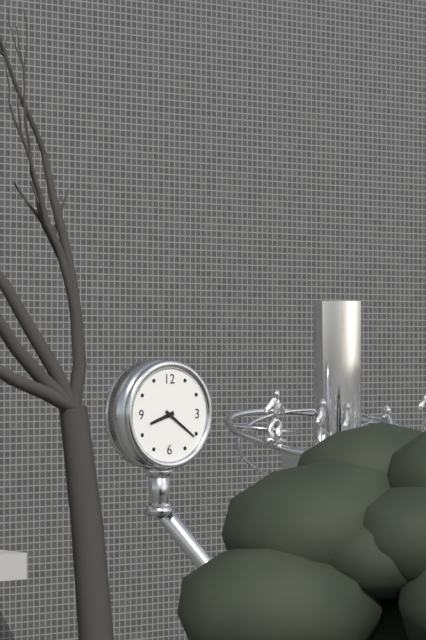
{"hour": 8, "minute": 21}
